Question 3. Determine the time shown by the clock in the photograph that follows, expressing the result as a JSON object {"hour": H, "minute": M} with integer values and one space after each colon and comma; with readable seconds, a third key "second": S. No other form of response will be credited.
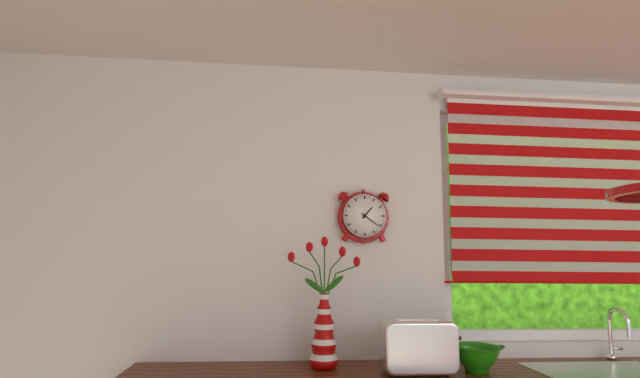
{"hour": 1, "minute": 21}
